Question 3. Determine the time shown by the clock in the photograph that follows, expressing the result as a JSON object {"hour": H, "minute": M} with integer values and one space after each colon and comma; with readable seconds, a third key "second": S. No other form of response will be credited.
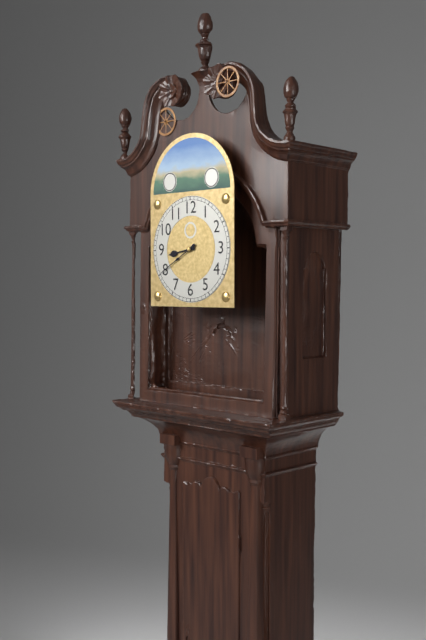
{"hour": 8, "minute": 40}
